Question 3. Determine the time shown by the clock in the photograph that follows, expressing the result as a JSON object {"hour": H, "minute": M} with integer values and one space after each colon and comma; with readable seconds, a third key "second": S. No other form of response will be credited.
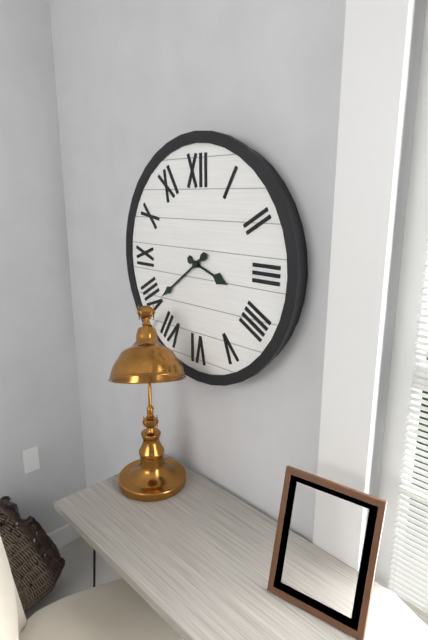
{"hour": 3, "minute": 39}
